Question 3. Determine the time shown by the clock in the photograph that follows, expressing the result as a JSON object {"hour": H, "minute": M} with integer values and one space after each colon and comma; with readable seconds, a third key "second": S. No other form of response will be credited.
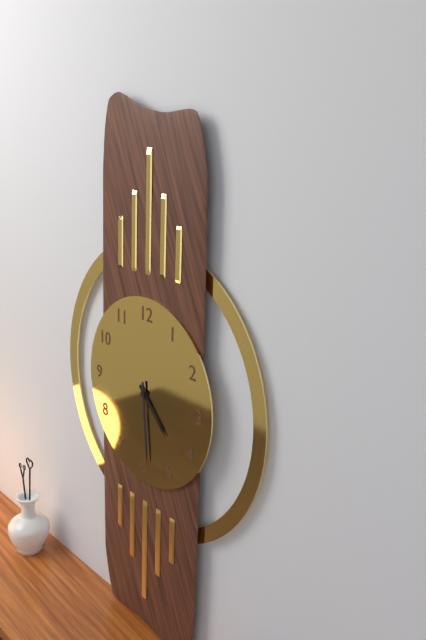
{"hour": 4, "minute": 29}
